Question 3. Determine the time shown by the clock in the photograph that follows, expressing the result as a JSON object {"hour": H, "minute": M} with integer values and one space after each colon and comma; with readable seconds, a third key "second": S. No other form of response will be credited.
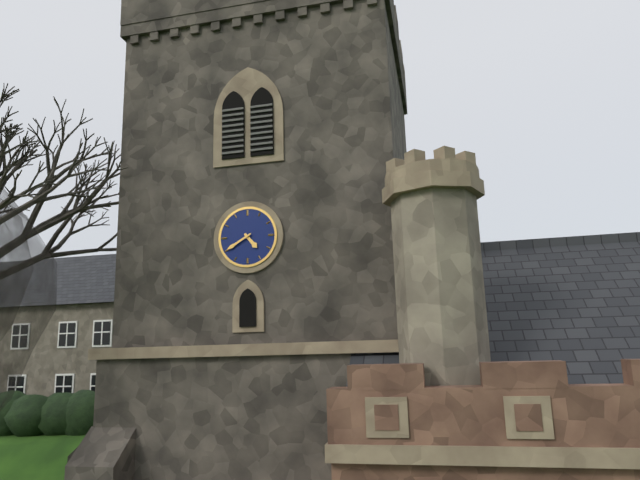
{"hour": 4, "minute": 40}
